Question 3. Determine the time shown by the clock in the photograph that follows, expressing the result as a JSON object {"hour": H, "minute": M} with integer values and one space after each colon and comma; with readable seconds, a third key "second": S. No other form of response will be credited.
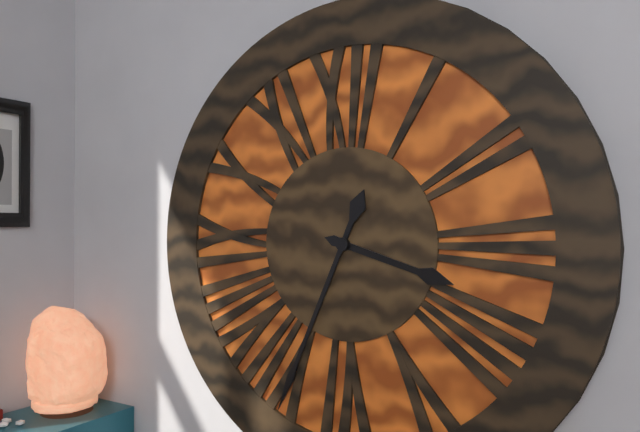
{"hour": 3, "minute": 34}
